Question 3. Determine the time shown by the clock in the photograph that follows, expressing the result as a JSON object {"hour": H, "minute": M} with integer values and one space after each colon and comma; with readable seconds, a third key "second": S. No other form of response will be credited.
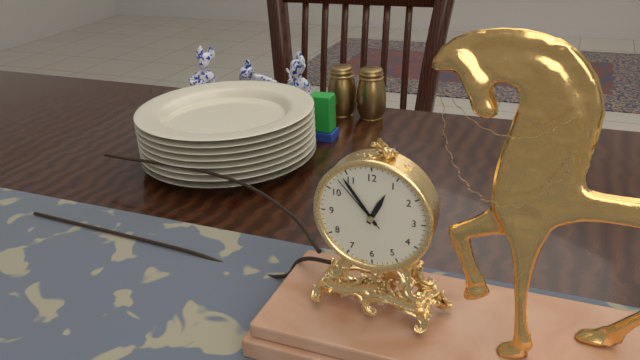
{"hour": 12, "minute": 54, "second": 53}
